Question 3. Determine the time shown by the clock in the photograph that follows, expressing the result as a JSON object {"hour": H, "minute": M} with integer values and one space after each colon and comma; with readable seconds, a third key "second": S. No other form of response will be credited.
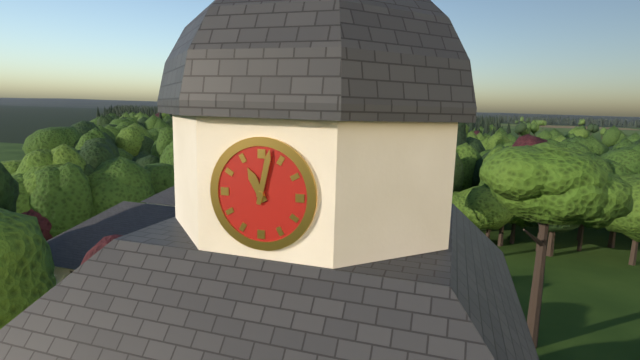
{"hour": 11, "minute": 2}
